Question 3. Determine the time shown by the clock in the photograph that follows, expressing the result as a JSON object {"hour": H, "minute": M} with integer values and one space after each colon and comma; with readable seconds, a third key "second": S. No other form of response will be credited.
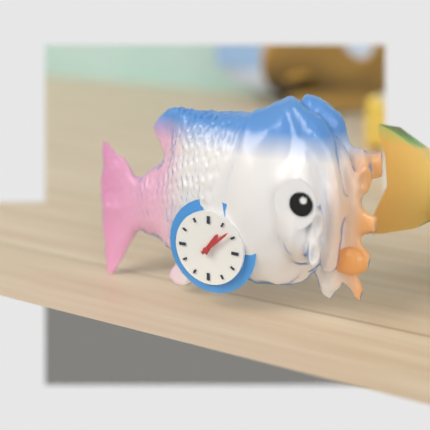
{"hour": 1, "minute": 8}
